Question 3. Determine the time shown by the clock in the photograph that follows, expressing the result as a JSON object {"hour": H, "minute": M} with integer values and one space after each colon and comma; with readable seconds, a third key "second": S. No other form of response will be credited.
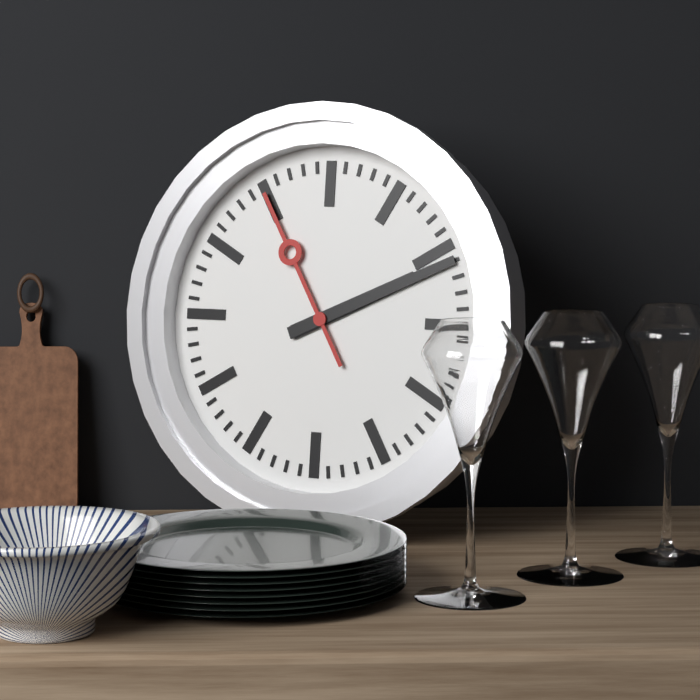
{"hour": 2, "minute": 11, "second": 55}
